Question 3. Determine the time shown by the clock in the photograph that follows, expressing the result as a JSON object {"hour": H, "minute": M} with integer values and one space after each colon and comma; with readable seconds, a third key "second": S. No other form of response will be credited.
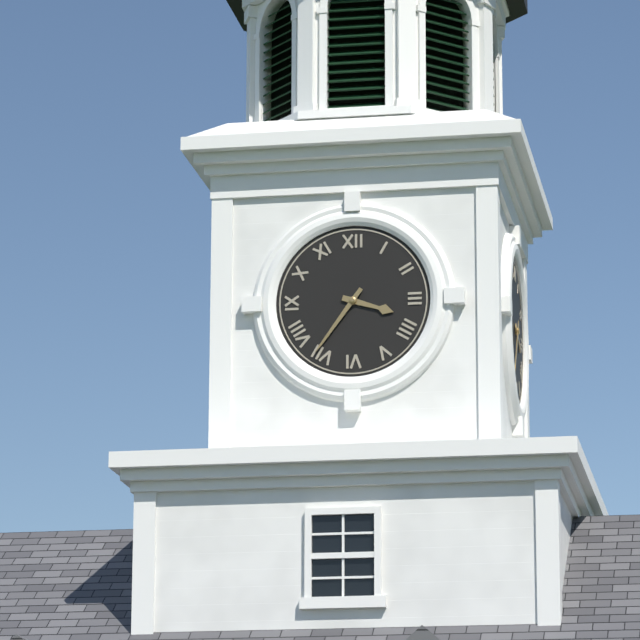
{"hour": 3, "minute": 36}
